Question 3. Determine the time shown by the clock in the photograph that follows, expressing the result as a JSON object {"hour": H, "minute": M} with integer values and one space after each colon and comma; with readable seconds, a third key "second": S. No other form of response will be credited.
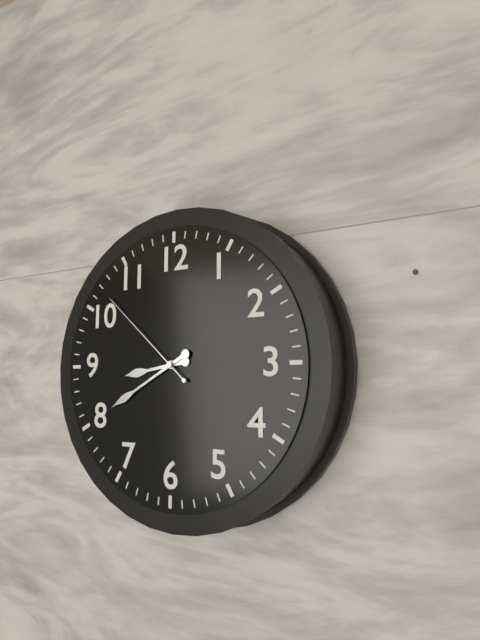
{"hour": 8, "minute": 40, "second": 52}
